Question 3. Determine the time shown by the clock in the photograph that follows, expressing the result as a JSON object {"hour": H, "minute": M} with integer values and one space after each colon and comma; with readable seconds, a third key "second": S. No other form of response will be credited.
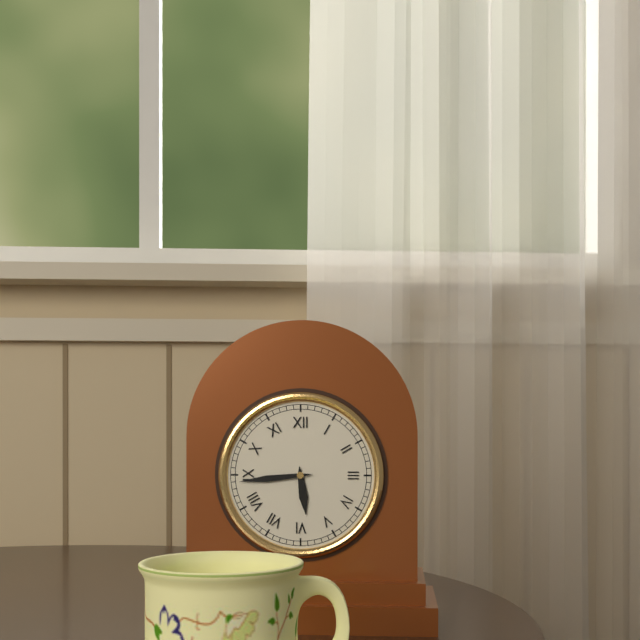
{"hour": 5, "minute": 44}
